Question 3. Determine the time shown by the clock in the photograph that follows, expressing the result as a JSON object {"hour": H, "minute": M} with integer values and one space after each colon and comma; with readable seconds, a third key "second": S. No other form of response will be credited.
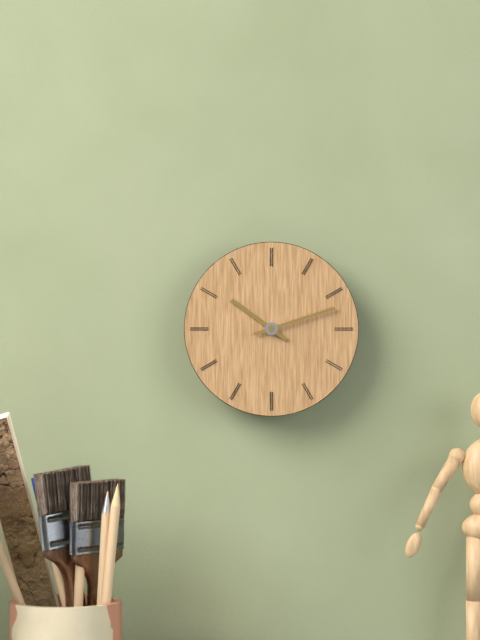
{"hour": 10, "minute": 12}
